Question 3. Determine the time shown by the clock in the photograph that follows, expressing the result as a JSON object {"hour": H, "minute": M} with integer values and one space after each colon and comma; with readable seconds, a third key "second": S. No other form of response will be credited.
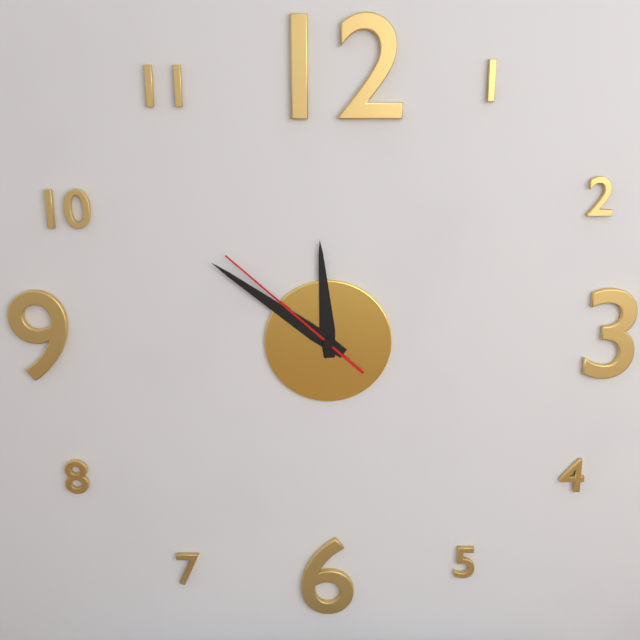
{"hour": 11, "minute": 51, "second": 52}
